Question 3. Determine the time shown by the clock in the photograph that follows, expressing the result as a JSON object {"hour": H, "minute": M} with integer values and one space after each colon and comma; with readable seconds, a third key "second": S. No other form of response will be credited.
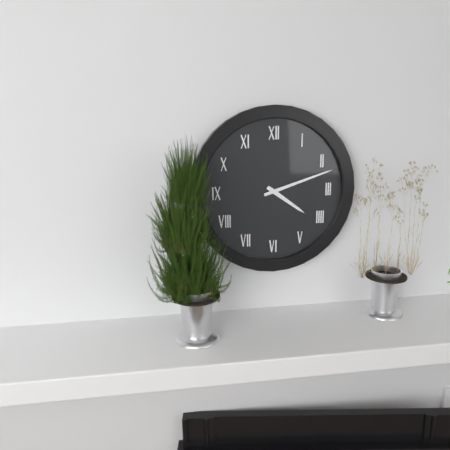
{"hour": 4, "minute": 12}
